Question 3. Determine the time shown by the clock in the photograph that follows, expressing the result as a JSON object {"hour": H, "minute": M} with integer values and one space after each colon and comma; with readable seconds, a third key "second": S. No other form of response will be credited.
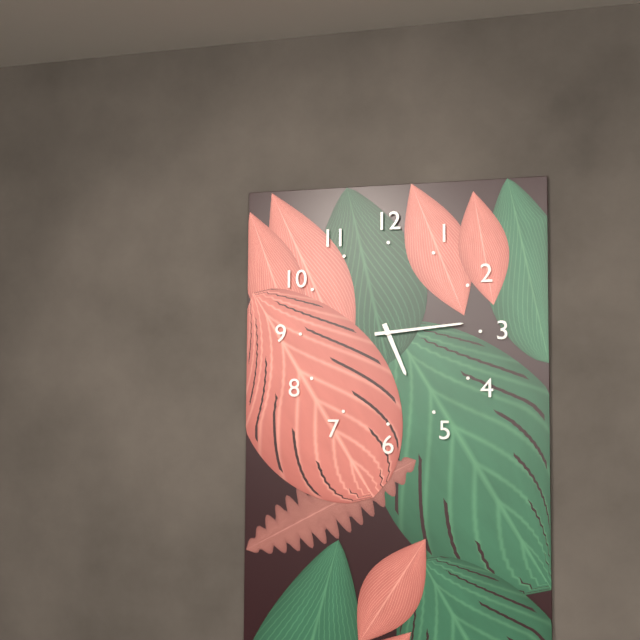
{"hour": 5, "minute": 14}
